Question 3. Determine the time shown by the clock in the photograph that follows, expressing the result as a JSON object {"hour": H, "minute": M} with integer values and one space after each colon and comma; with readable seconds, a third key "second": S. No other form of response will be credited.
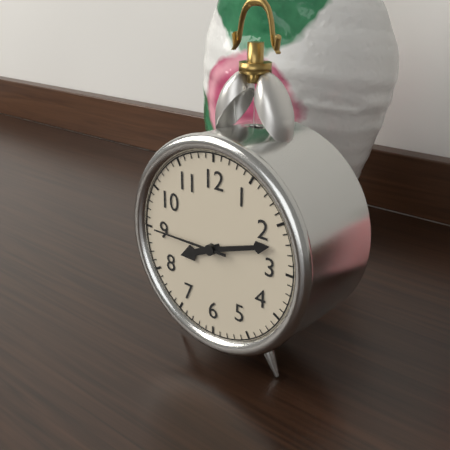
{"hour": 8, "minute": 12, "second": 45}
